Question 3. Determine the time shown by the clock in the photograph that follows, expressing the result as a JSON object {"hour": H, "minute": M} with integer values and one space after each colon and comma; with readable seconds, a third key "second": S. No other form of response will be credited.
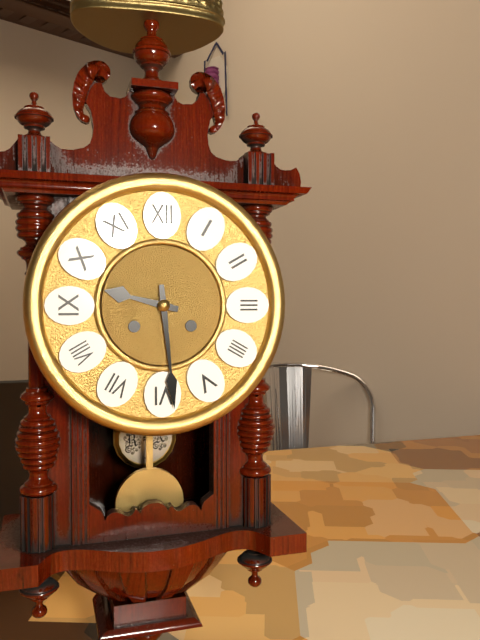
{"hour": 9, "minute": 29}
